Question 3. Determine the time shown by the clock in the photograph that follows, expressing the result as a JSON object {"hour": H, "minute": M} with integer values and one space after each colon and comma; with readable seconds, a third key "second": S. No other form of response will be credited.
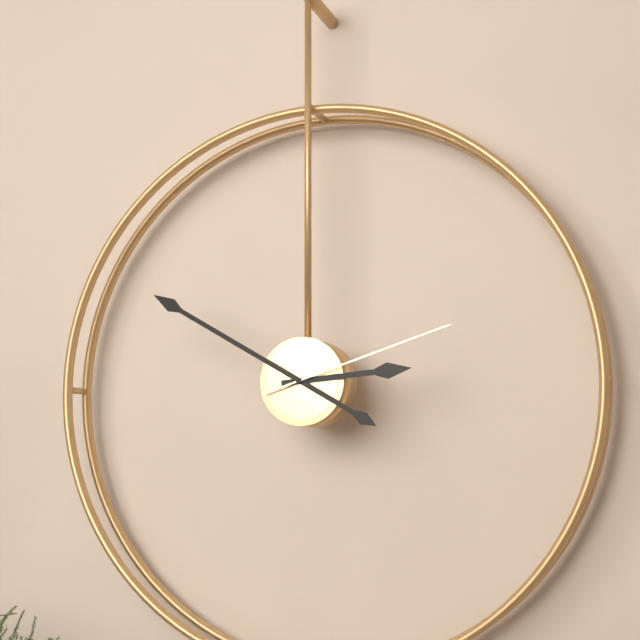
{"hour": 2, "minute": 50, "second": 12}
